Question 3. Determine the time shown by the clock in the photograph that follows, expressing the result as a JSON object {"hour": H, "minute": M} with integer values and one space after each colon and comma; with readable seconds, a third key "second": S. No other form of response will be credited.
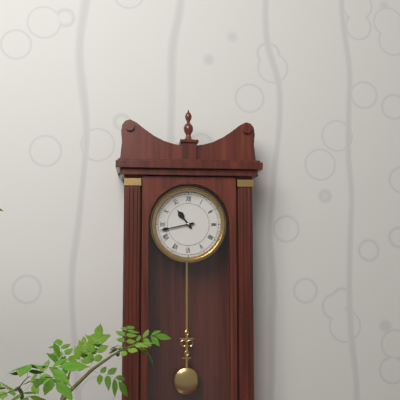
{"hour": 10, "minute": 43}
